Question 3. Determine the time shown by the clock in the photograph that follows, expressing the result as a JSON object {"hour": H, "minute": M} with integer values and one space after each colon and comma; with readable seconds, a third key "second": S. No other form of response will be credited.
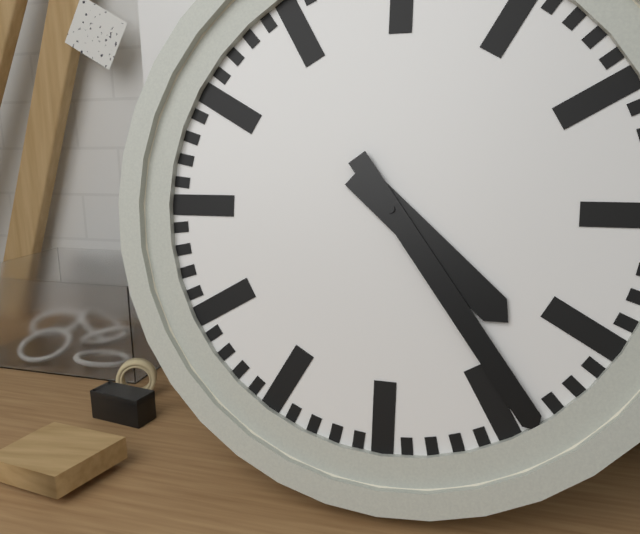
{"hour": 4, "minute": 24}
